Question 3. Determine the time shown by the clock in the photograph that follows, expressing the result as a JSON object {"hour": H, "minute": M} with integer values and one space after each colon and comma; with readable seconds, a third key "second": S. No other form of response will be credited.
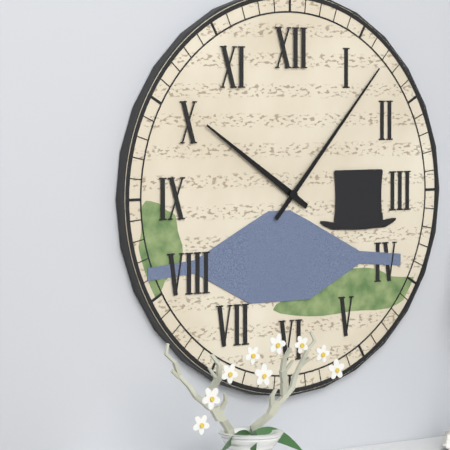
{"hour": 10, "minute": 7}
